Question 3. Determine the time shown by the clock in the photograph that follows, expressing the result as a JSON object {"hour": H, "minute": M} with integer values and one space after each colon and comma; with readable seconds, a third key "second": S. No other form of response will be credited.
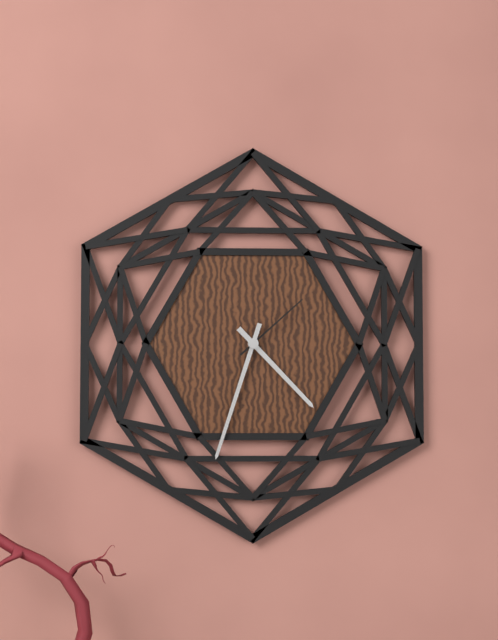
{"hour": 4, "minute": 33, "second": 8}
